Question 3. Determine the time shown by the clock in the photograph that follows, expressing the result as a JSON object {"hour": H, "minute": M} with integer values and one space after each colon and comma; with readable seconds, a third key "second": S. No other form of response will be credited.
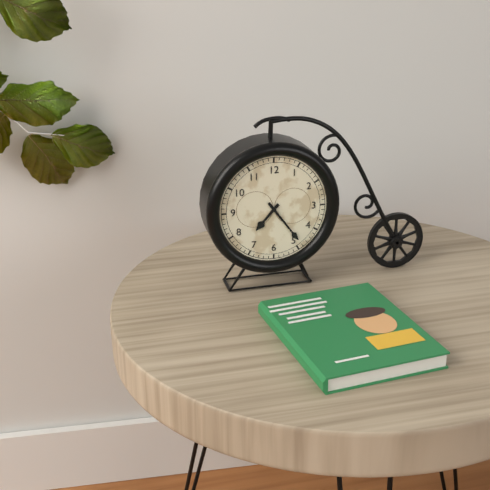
{"hour": 7, "minute": 24}
